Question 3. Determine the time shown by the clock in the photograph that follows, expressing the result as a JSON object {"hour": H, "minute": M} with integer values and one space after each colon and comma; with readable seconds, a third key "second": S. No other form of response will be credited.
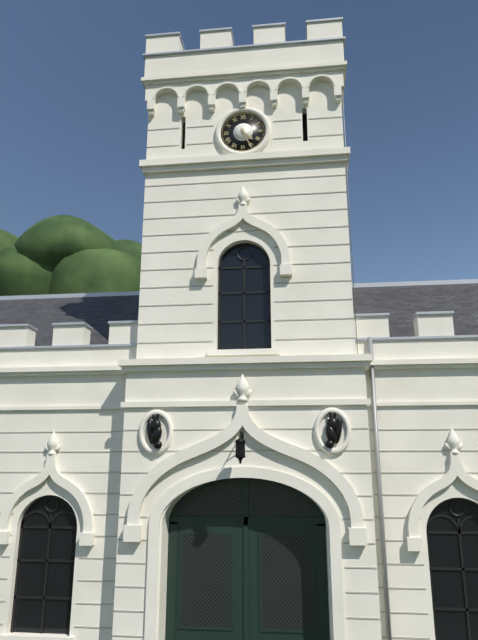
{"hour": 4, "minute": 26}
